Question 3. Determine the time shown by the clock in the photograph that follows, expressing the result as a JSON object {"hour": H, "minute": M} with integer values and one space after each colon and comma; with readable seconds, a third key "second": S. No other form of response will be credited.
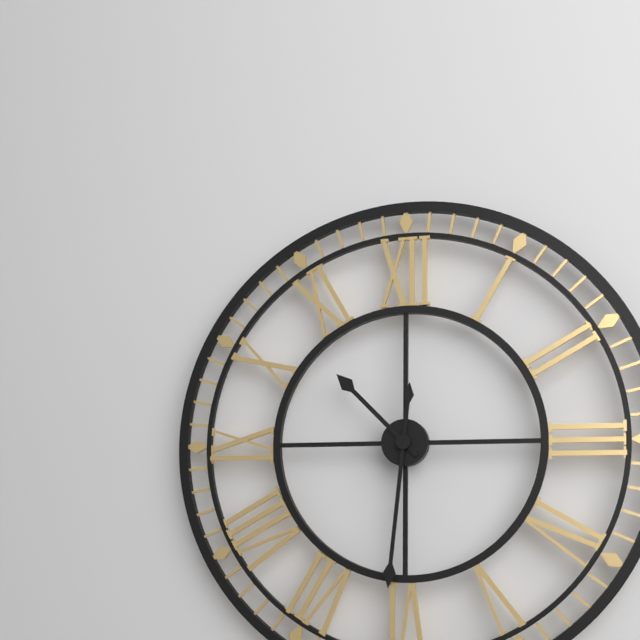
{"hour": 10, "minute": 31}
